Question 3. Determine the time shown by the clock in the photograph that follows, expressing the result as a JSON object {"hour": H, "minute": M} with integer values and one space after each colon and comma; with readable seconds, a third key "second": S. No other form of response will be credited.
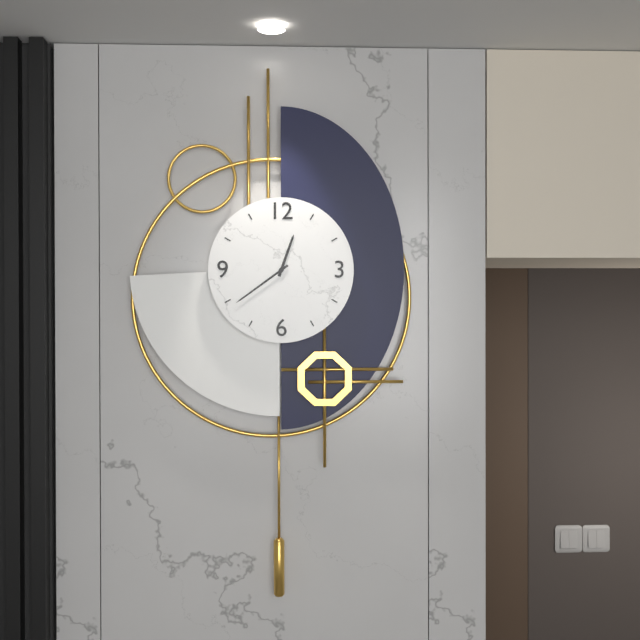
{"hour": 12, "minute": 39}
